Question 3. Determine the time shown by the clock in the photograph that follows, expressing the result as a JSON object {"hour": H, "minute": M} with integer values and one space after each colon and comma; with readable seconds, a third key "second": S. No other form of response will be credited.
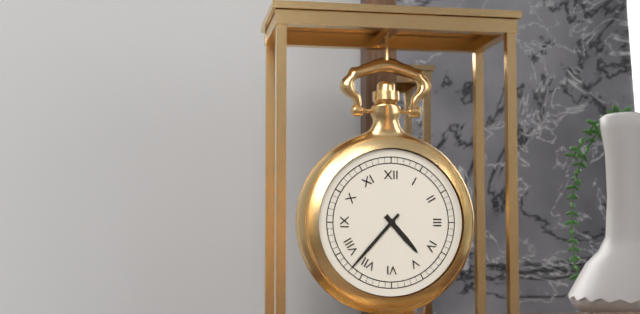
{"hour": 4, "minute": 37}
